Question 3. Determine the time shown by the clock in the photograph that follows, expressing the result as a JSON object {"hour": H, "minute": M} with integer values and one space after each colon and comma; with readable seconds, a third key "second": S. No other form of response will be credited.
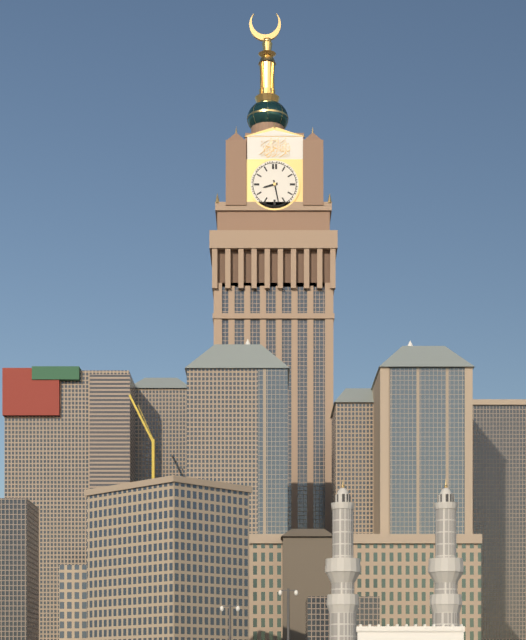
{"hour": 8, "minute": 28}
